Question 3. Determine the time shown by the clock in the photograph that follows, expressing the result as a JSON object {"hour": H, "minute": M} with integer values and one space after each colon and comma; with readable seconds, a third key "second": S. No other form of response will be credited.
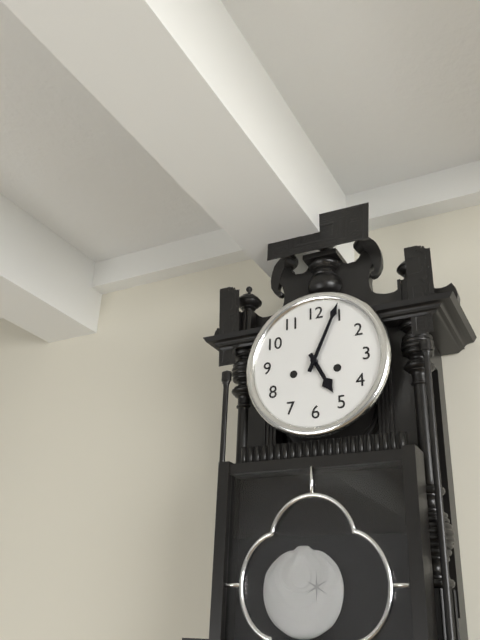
{"hour": 5, "minute": 4}
